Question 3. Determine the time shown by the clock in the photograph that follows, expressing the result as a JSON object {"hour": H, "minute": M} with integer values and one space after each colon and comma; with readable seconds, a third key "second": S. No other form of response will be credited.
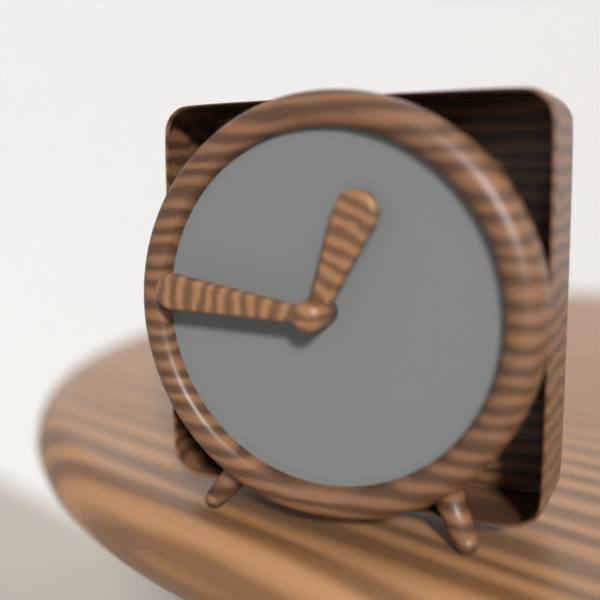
{"hour": 12, "minute": 46}
